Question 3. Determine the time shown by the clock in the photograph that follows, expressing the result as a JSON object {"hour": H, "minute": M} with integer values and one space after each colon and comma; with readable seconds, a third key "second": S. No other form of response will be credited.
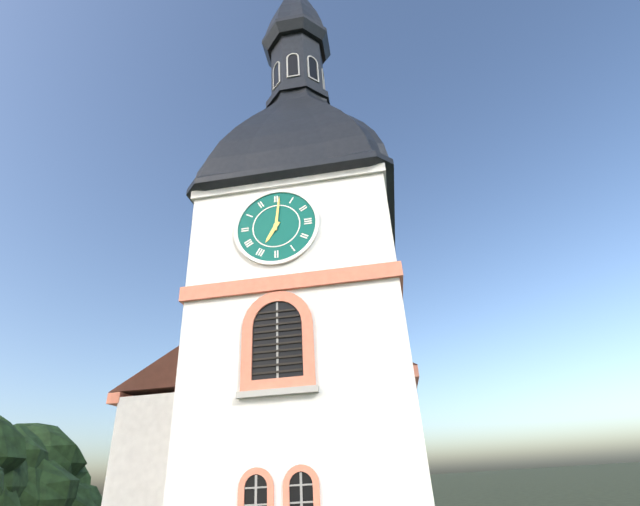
{"hour": 7, "minute": 1}
